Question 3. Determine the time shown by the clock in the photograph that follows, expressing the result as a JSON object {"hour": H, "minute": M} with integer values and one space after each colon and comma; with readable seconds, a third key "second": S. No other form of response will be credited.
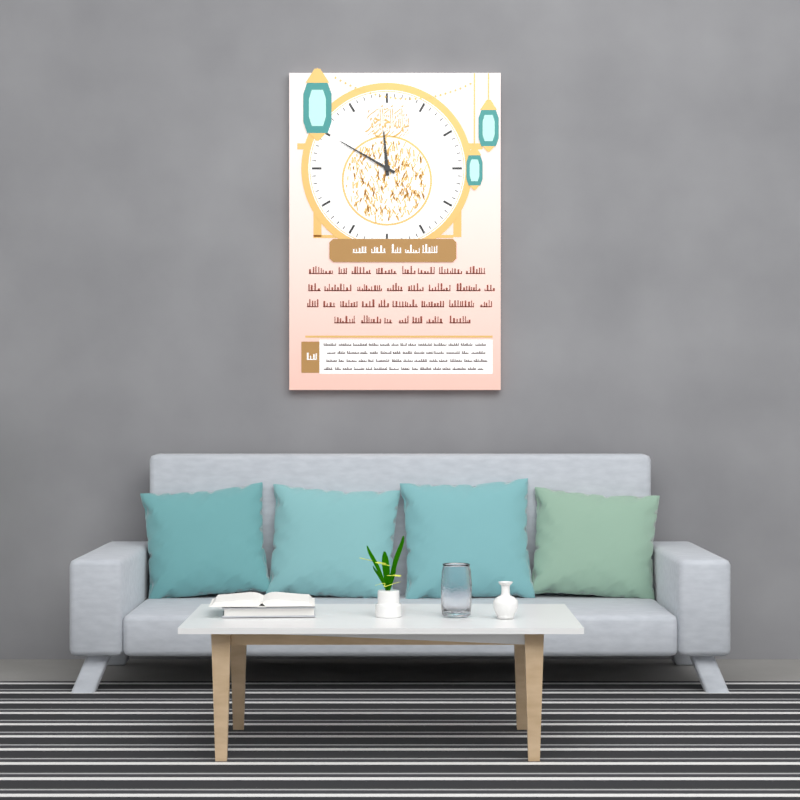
{"hour": 11, "minute": 50}
